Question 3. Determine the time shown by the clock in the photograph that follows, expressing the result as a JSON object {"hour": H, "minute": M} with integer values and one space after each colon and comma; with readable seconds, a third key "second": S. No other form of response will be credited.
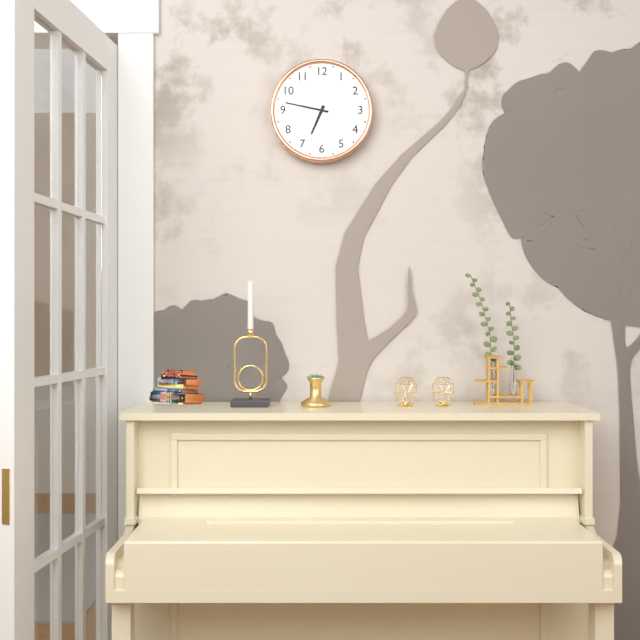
{"hour": 6, "minute": 47}
